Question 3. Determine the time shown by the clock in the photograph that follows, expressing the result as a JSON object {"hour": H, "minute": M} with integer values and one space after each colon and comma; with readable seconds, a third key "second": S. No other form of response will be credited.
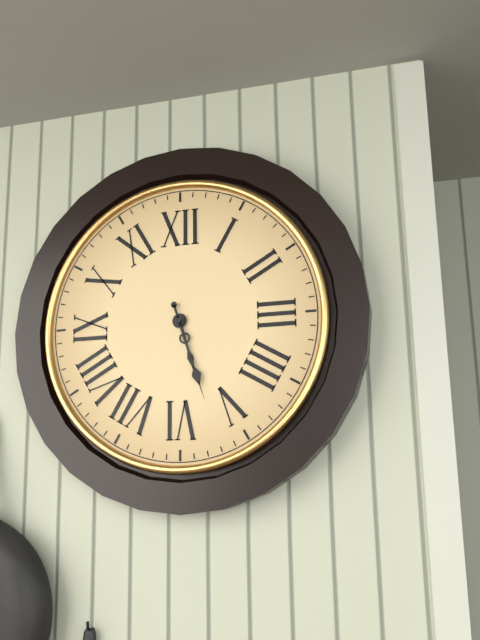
{"hour": 5, "minute": 27}
